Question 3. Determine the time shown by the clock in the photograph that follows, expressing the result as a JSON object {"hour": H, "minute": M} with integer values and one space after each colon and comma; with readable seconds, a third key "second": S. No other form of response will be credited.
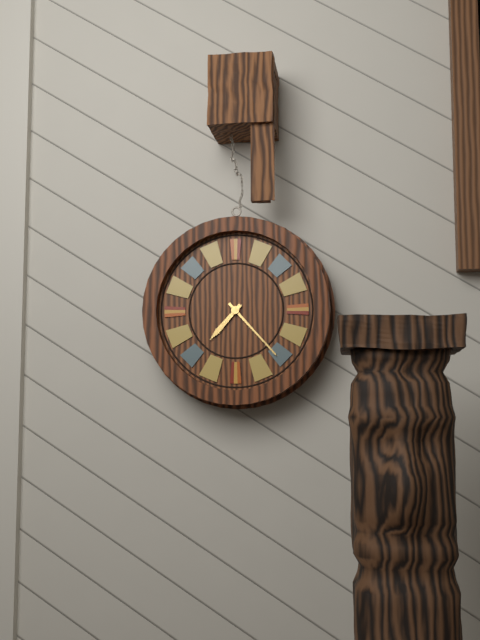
{"hour": 7, "minute": 23}
